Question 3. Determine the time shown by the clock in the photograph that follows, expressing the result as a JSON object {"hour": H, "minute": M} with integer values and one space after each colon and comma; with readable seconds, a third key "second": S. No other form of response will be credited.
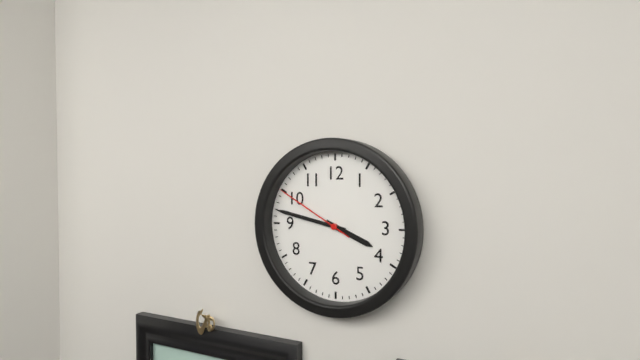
{"hour": 3, "minute": 47, "second": 50}
